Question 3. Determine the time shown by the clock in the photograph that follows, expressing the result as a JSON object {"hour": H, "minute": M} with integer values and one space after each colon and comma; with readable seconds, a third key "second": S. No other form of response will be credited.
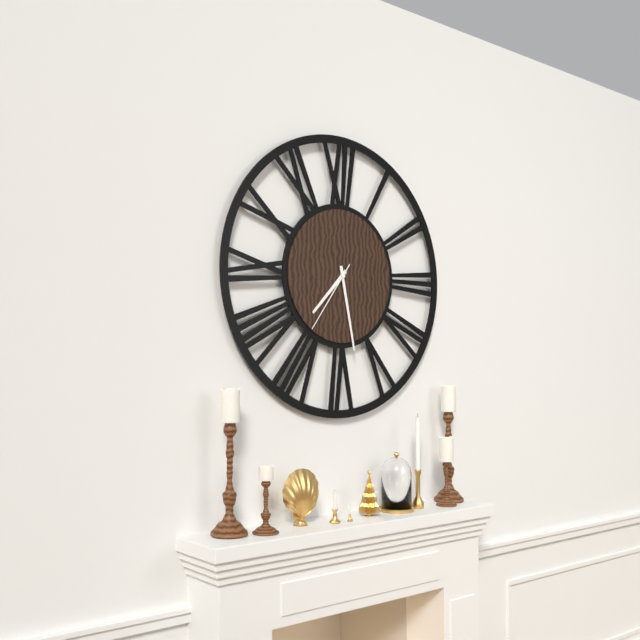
{"hour": 7, "minute": 28, "second": 36}
